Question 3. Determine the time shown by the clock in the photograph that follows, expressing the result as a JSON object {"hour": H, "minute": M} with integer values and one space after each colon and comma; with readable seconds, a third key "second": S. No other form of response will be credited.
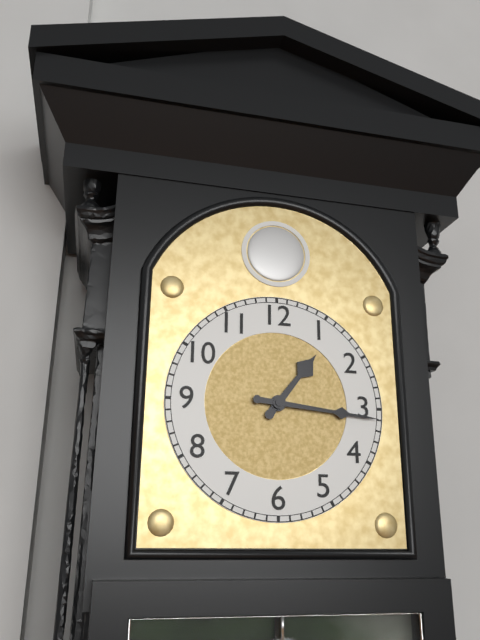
{"hour": 1, "minute": 16}
